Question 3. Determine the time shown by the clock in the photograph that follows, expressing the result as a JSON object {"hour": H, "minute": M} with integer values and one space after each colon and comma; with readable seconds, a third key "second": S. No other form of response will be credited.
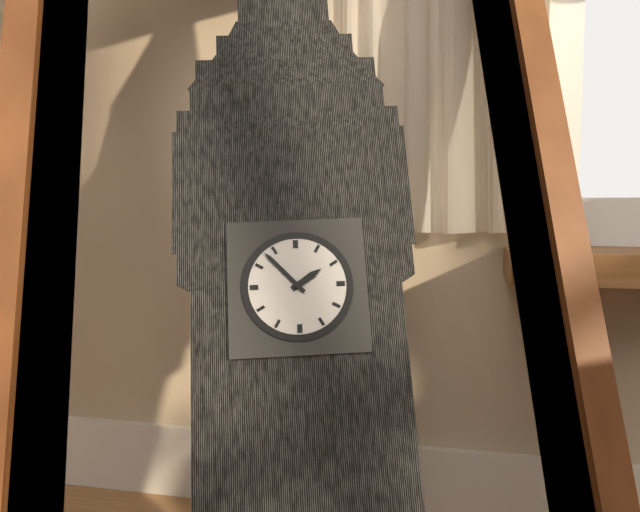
{"hour": 1, "minute": 53}
